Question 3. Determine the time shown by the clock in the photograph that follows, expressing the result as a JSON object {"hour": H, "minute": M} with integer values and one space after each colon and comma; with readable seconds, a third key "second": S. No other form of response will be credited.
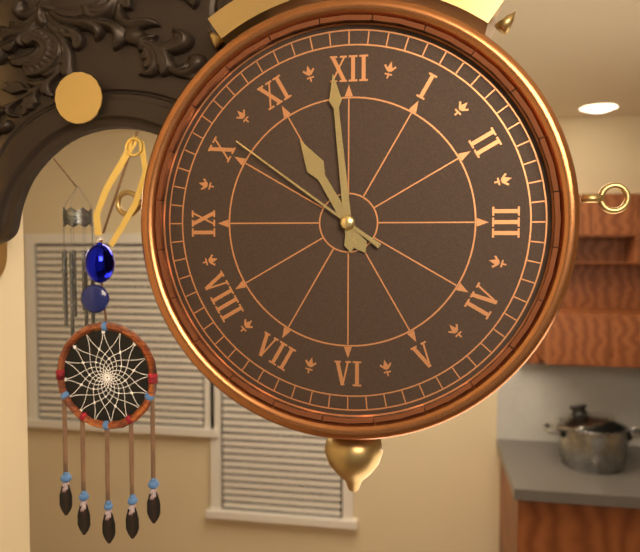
{"hour": 10, "minute": 59, "second": 51}
